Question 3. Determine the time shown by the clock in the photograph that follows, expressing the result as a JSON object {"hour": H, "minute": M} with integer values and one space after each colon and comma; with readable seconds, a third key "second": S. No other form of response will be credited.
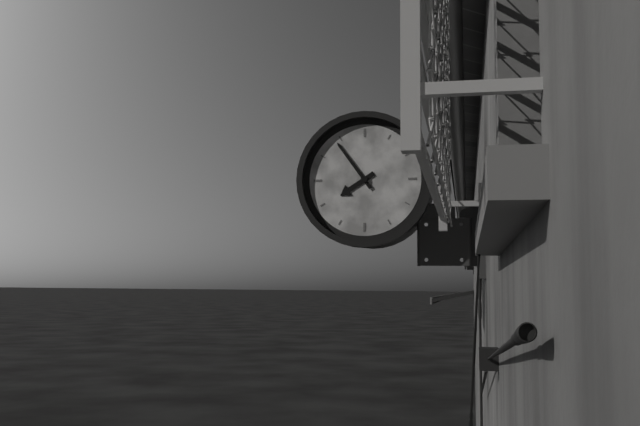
{"hour": 7, "minute": 54}
